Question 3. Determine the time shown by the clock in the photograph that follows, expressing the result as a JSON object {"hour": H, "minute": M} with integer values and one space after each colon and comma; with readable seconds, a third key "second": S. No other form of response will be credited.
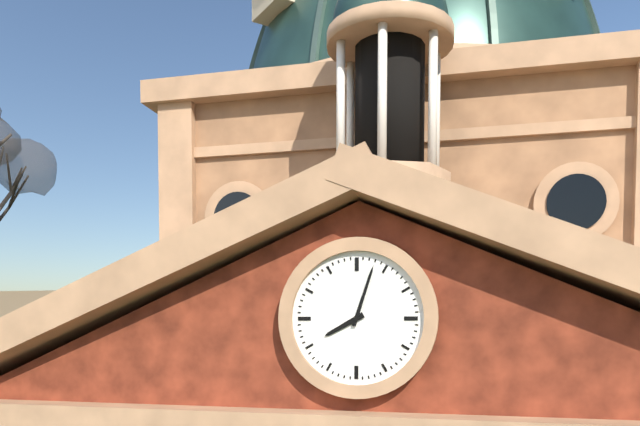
{"hour": 8, "minute": 3}
